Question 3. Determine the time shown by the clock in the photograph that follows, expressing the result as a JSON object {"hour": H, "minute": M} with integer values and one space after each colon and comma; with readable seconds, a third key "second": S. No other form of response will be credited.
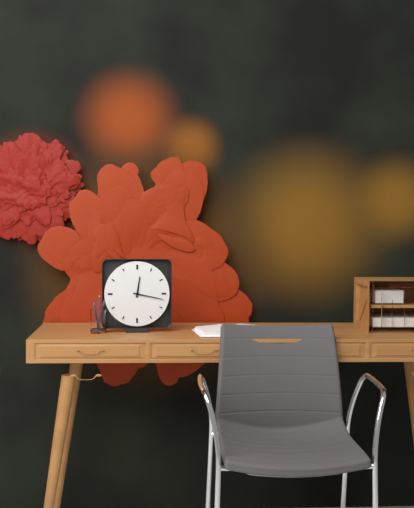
{"hour": 12, "minute": 17}
